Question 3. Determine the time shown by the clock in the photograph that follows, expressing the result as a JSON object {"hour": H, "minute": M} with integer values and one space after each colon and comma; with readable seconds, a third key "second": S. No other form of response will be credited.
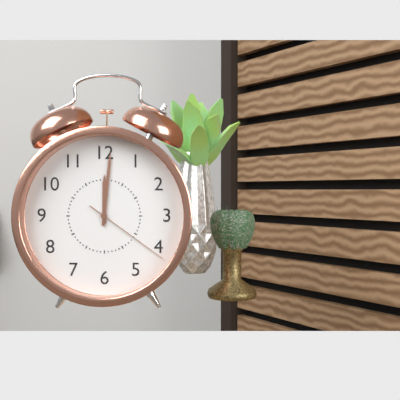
{"hour": 12, "minute": 1, "second": 21}
